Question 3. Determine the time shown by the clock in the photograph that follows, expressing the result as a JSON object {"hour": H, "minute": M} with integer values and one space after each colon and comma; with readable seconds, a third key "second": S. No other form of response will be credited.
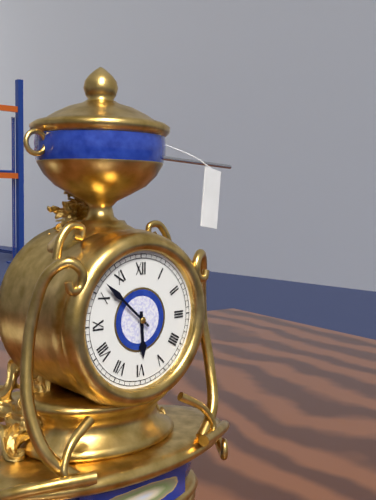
{"hour": 5, "minute": 52}
